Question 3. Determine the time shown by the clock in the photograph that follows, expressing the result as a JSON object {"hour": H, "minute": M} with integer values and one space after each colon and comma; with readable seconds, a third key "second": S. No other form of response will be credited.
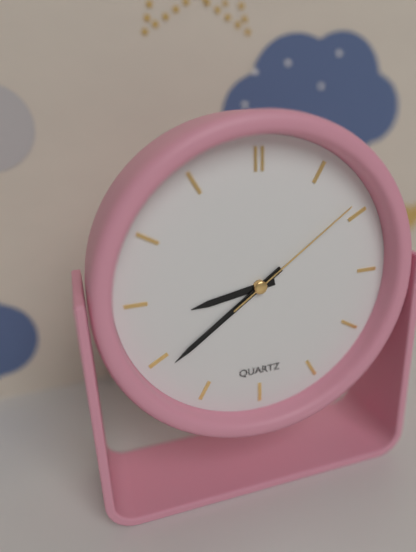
{"hour": 8, "minute": 39, "second": 9}
